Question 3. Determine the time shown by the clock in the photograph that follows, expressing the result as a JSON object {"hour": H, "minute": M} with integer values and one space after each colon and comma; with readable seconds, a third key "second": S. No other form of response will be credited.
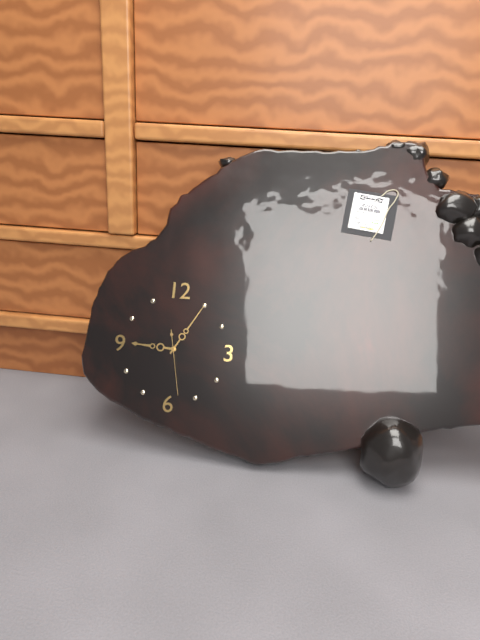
{"hour": 9, "minute": 5, "second": 28}
